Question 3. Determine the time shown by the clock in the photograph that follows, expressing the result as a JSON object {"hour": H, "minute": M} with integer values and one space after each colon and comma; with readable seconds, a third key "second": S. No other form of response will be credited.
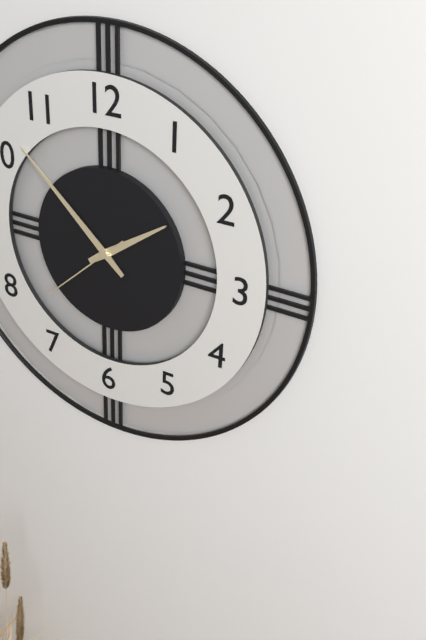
{"hour": 1, "minute": 52, "second": 38}
